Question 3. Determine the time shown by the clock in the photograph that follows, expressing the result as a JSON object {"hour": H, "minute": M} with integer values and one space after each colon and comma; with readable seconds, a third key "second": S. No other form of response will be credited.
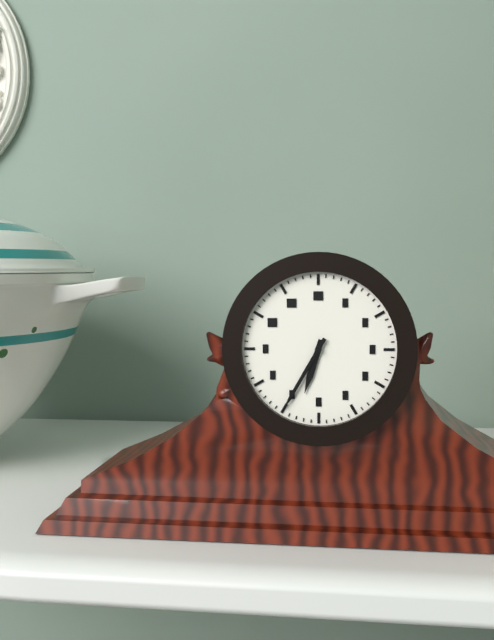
{"hour": 6, "minute": 35}
